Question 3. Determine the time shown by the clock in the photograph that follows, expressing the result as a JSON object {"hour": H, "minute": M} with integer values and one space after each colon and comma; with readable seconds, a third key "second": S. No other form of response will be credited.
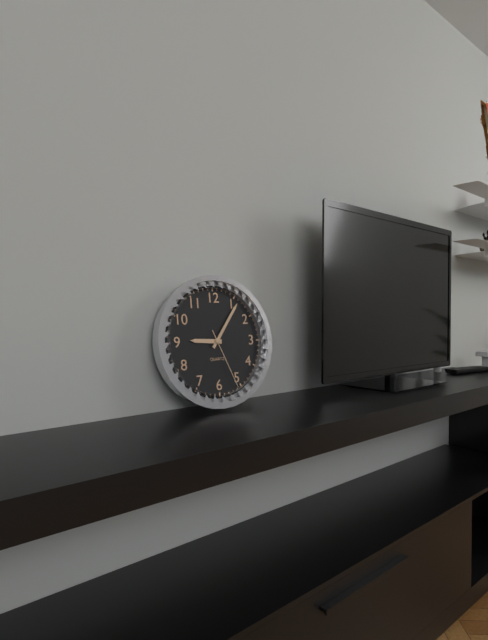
{"hour": 9, "minute": 6, "second": 26}
